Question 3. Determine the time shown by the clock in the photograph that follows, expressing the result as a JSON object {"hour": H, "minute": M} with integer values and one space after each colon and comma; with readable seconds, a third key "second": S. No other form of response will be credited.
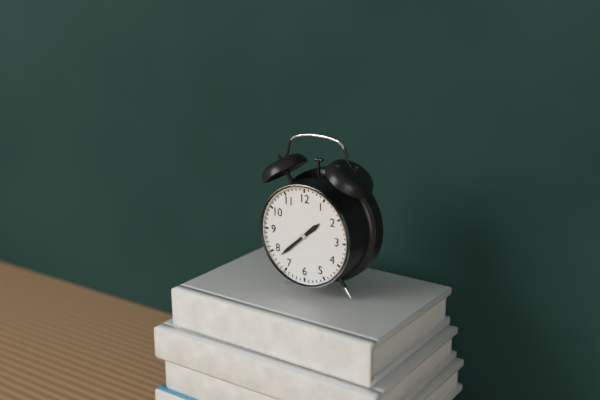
{"hour": 1, "minute": 38}
